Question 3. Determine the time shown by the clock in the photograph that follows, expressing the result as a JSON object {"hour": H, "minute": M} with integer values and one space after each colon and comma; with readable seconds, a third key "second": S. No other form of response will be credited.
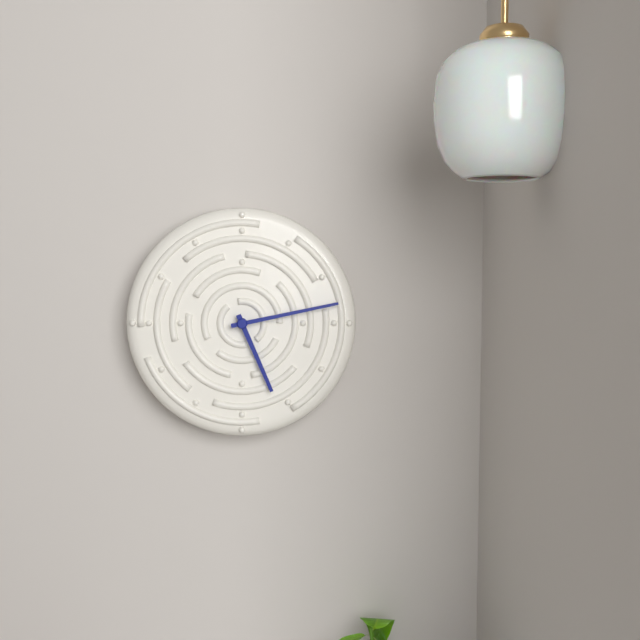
{"hour": 5, "minute": 13}
